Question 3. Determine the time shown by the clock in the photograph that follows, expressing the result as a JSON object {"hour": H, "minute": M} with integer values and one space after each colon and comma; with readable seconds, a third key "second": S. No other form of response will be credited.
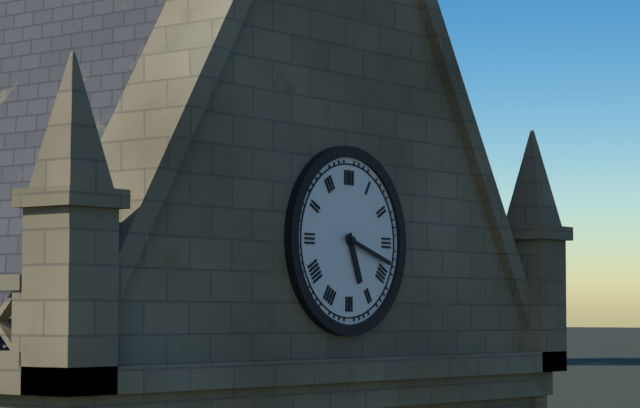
{"hour": 5, "minute": 18}
